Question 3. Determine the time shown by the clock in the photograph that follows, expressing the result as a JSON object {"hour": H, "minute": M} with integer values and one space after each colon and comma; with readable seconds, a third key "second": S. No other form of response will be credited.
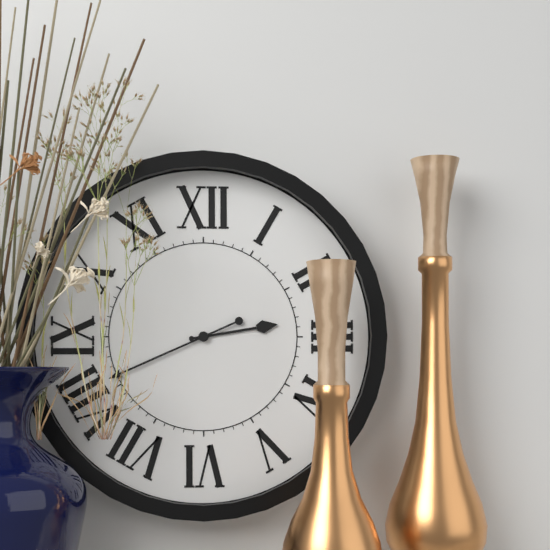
{"hour": 2, "minute": 41}
